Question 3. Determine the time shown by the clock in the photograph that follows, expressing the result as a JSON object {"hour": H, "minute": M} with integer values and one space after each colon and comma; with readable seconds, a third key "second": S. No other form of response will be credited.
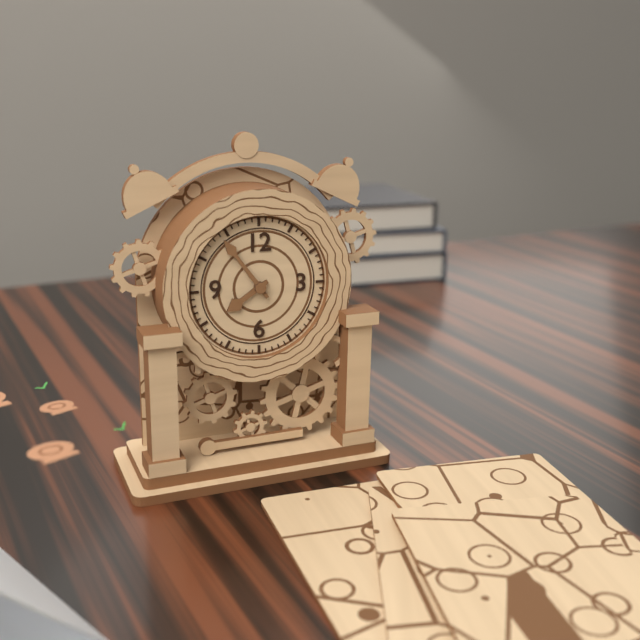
{"hour": 7, "minute": 54}
